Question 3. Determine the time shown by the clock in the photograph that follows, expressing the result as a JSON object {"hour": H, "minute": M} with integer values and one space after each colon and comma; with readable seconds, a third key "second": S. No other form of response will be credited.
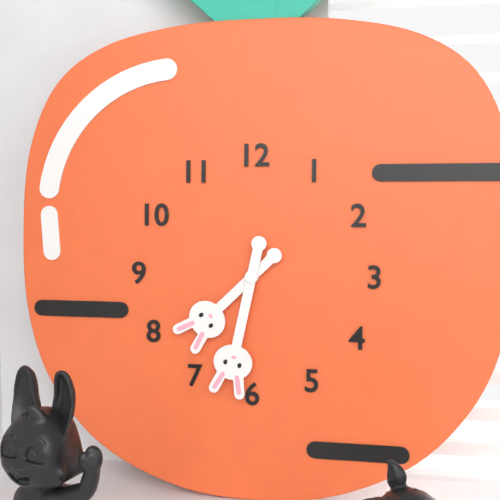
{"hour": 7, "minute": 32}
